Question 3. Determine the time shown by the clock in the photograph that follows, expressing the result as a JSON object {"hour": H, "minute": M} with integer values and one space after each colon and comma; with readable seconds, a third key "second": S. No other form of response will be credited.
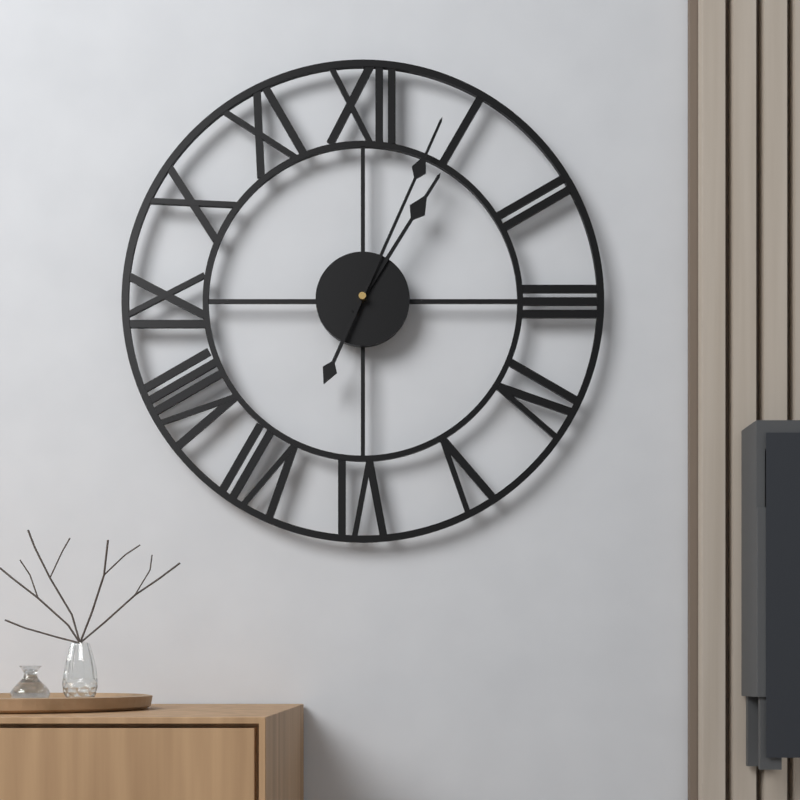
{"hour": 1, "minute": 4}
